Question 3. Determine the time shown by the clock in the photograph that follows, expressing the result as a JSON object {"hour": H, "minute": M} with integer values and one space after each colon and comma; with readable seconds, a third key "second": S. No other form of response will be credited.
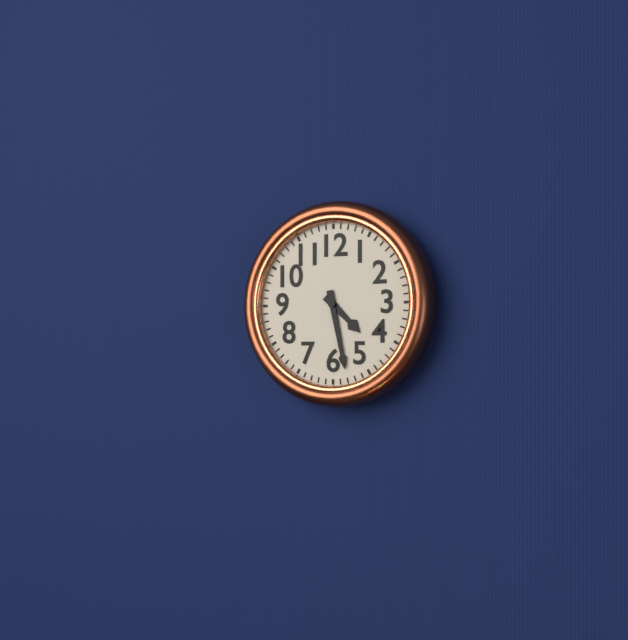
{"hour": 4, "minute": 28}
